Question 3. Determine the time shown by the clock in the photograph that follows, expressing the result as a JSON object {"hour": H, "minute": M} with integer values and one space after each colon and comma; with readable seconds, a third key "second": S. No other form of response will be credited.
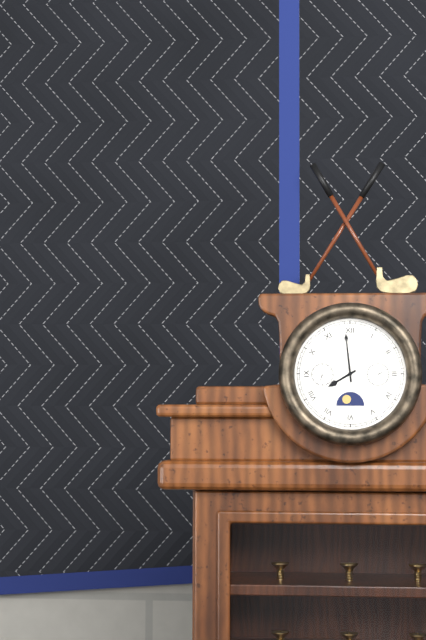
{"hour": 7, "minute": 59}
